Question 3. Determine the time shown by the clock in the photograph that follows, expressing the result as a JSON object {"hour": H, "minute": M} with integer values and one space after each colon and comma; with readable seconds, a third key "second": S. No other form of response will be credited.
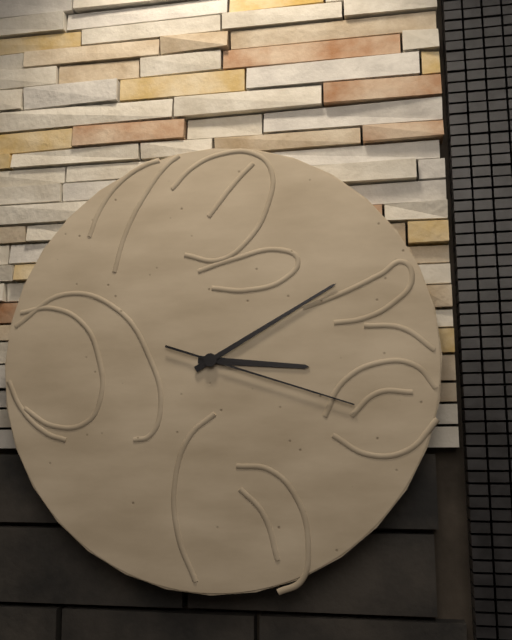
{"hour": 3, "minute": 10, "second": 18}
